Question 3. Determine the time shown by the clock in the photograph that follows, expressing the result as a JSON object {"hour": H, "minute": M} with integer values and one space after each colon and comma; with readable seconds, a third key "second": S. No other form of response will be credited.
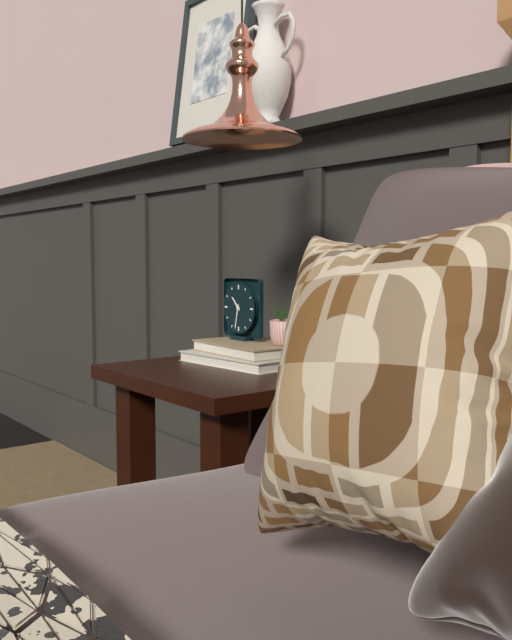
{"hour": 10, "minute": 32}
